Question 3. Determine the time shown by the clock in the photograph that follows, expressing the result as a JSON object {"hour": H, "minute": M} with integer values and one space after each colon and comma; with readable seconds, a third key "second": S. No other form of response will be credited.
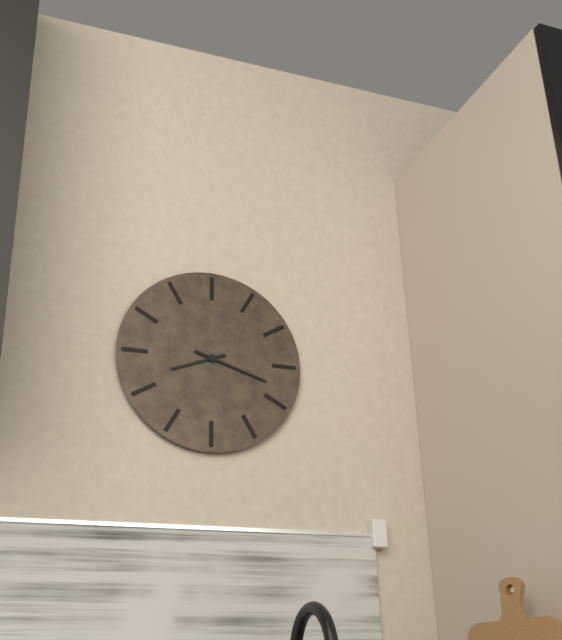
{"hour": 8, "minute": 18}
